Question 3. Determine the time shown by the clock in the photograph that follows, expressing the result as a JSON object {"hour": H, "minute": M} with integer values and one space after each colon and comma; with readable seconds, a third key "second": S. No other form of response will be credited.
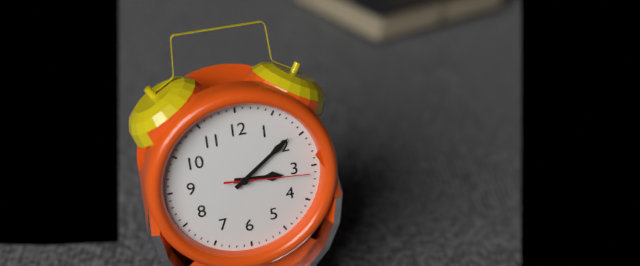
{"hour": 3, "minute": 9, "second": 16}
